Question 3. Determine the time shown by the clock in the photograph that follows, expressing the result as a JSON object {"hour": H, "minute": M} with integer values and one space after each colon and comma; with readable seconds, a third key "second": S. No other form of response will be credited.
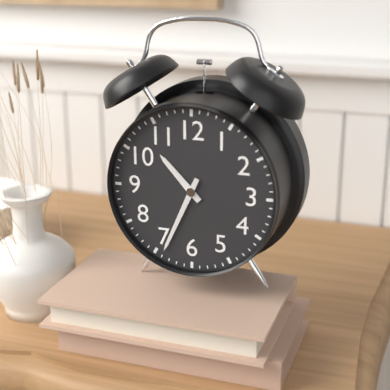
{"hour": 10, "minute": 34}
